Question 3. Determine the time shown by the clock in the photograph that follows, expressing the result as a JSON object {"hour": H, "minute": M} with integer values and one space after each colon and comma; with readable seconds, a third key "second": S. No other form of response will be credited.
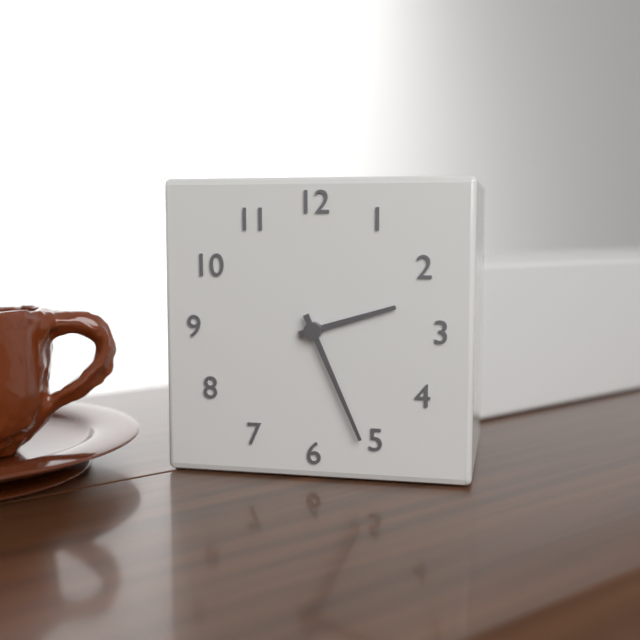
{"hour": 2, "minute": 26}
